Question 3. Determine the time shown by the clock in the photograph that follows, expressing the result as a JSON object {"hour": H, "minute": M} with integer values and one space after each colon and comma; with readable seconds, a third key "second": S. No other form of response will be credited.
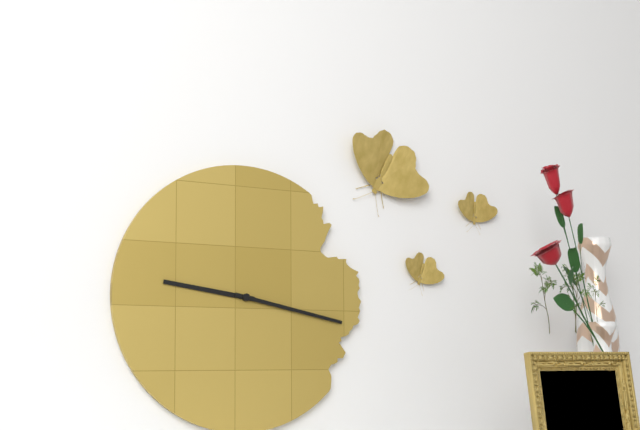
{"hour": 9, "minute": 17}
